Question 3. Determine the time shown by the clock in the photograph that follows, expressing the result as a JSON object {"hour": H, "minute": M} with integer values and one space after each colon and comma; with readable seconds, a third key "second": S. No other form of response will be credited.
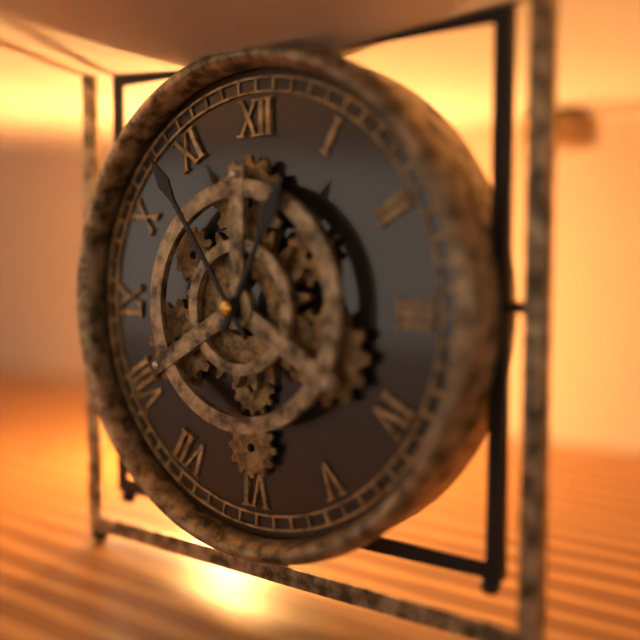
{"hour": 12, "minute": 54}
